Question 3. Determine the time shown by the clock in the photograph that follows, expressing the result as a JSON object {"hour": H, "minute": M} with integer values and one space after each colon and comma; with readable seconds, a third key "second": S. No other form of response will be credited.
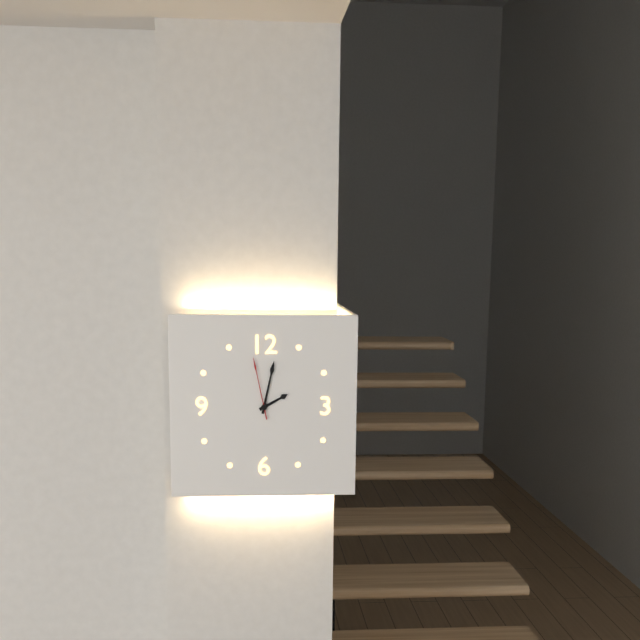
{"hour": 2, "minute": 2, "second": 58}
